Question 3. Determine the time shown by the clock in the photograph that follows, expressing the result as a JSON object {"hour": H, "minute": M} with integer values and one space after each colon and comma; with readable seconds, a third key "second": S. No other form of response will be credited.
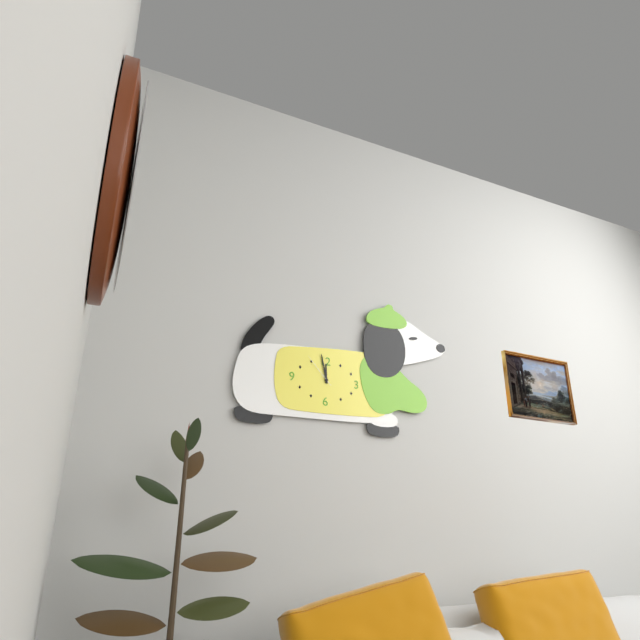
{"hour": 11, "minute": 58}
